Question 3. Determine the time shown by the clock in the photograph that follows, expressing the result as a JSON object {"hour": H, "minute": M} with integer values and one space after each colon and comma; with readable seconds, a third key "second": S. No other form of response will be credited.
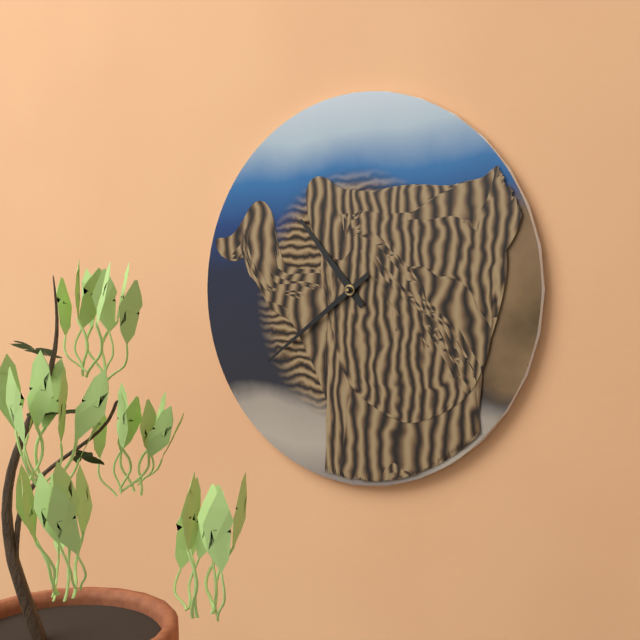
{"hour": 10, "minute": 39}
